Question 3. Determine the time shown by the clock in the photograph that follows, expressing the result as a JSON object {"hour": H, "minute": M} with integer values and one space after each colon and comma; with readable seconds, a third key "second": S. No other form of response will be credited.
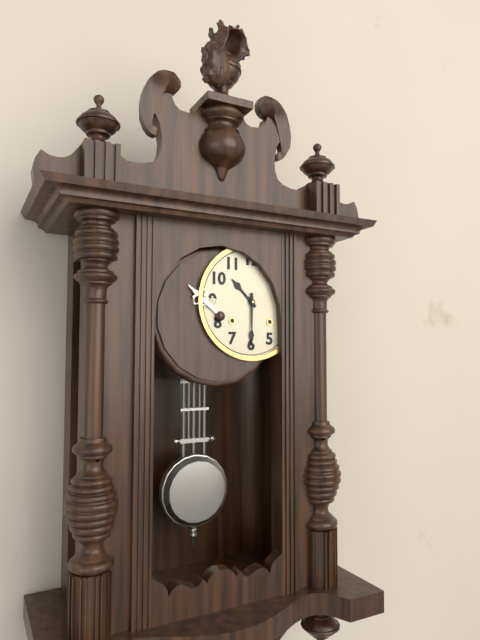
{"hour": 10, "minute": 30}
